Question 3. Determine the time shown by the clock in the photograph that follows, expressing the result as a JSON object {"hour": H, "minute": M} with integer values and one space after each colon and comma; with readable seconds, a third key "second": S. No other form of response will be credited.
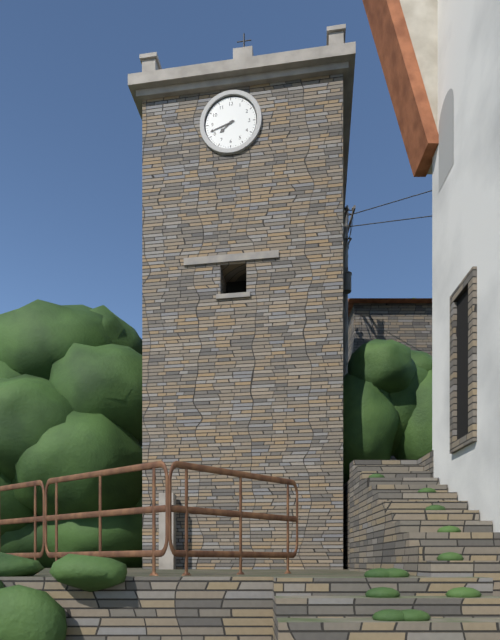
{"hour": 7, "minute": 42}
